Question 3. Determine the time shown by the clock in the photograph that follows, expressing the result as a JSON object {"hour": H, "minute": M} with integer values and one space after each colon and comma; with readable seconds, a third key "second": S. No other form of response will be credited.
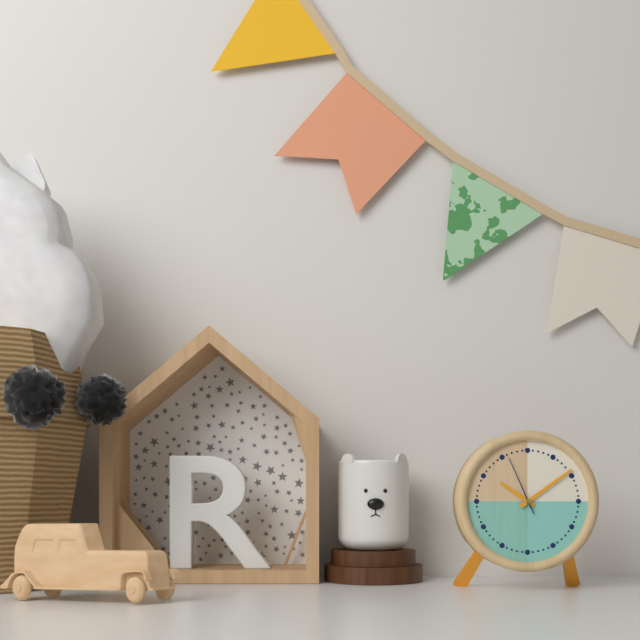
{"hour": 10, "minute": 9, "second": 56}
